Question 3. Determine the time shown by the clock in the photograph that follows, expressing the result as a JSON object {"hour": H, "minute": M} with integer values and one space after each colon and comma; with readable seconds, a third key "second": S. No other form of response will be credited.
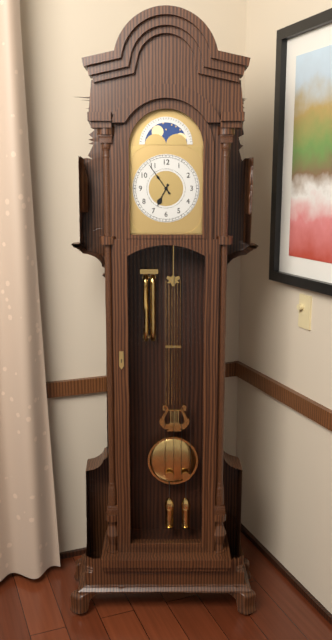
{"hour": 6, "minute": 54}
